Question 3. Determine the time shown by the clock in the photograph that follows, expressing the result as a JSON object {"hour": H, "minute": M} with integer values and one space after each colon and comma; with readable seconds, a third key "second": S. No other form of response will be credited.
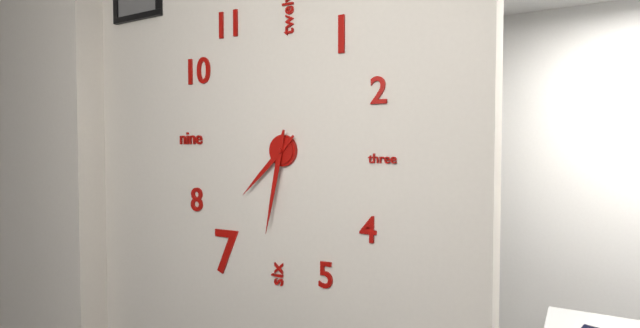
{"hour": 7, "minute": 32}
